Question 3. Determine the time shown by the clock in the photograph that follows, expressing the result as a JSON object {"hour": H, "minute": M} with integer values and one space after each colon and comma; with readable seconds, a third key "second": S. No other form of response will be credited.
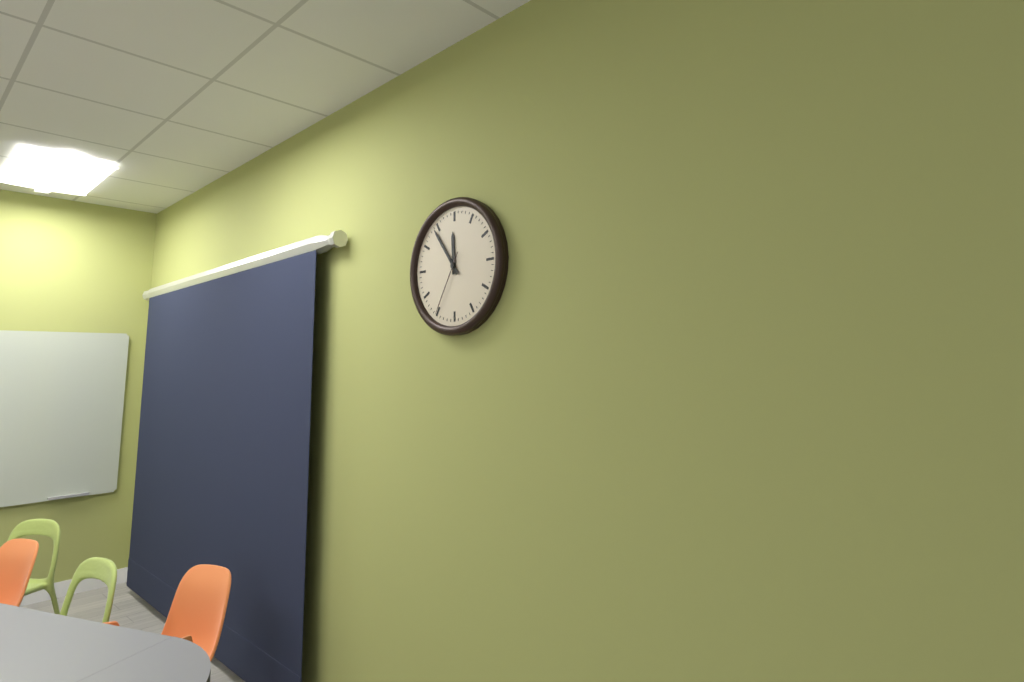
{"hour": 11, "minute": 54, "second": 35}
